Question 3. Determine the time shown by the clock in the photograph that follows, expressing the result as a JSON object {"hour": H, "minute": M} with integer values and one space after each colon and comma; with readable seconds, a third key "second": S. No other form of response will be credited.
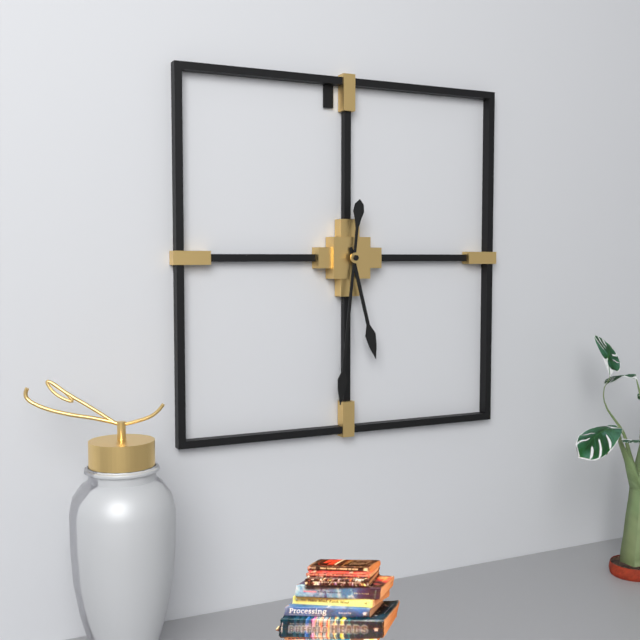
{"hour": 5, "minute": 31}
